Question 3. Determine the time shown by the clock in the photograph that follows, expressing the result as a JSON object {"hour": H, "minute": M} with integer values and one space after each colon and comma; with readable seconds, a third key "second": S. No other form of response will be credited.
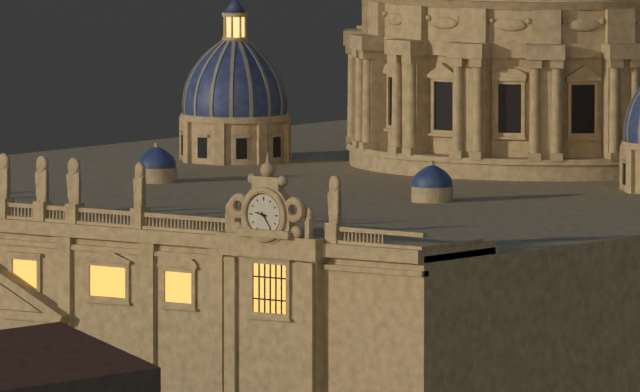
{"hour": 9, "minute": 24}
